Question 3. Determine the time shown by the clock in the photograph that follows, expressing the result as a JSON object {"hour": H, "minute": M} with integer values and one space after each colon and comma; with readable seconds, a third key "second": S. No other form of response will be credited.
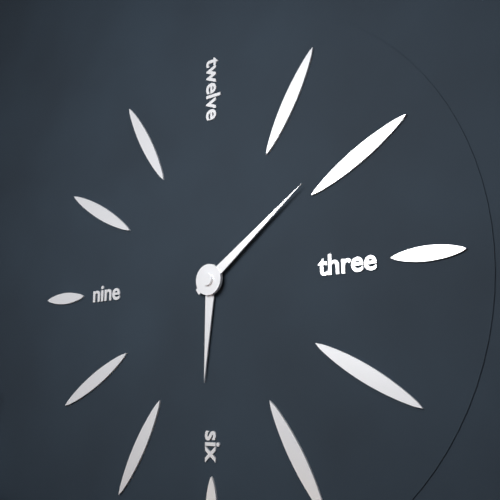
{"hour": 6, "minute": 9}
